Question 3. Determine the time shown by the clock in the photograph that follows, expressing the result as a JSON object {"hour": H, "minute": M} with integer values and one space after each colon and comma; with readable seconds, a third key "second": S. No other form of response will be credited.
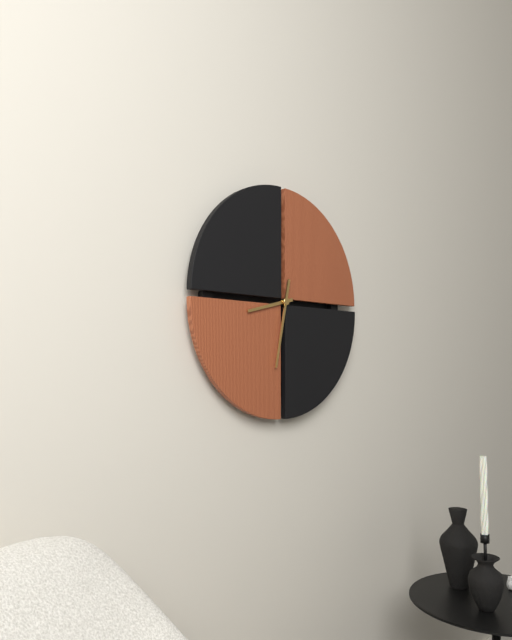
{"hour": 8, "minute": 32}
